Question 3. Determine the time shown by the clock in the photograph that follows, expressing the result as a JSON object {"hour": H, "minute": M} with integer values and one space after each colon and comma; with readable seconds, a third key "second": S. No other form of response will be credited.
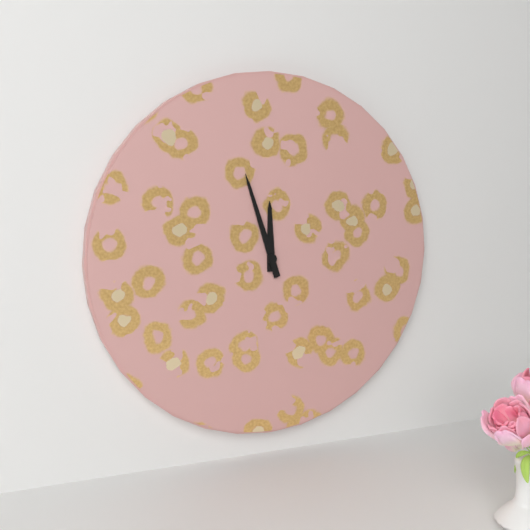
{"hour": 11, "minute": 57}
